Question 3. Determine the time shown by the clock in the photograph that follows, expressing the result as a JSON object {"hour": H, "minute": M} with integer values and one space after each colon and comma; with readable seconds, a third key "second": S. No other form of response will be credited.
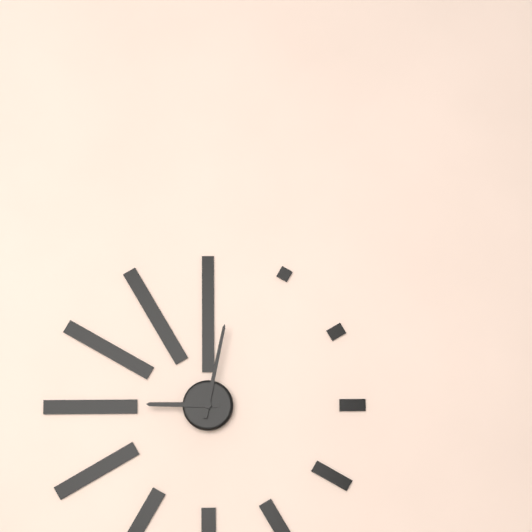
{"hour": 9, "minute": 2}
